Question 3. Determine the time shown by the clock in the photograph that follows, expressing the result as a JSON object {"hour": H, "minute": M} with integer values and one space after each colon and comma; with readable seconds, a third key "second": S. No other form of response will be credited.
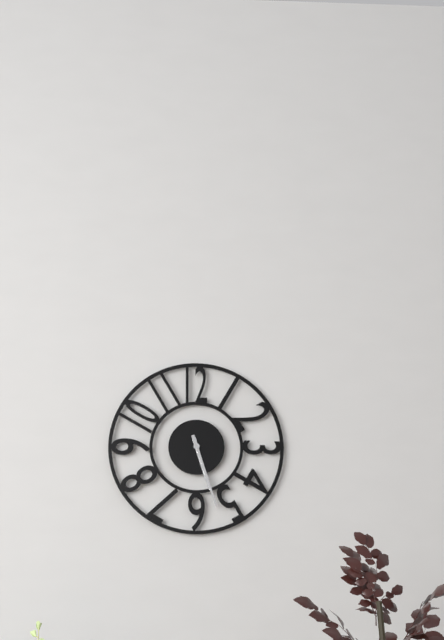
{"hour": 5, "minute": 27}
